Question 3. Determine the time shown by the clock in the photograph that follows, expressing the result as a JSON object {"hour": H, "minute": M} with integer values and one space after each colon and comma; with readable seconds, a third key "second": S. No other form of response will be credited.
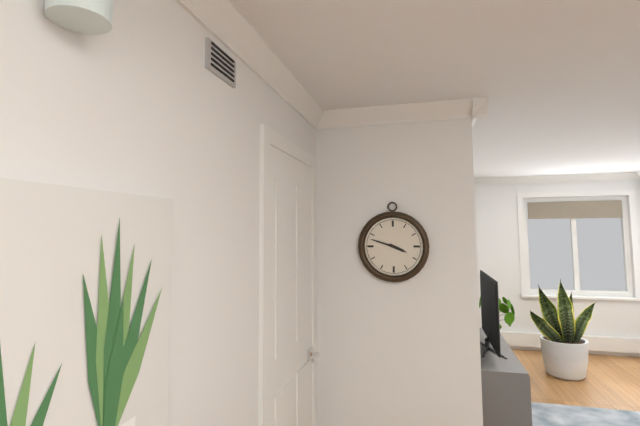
{"hour": 3, "minute": 48}
